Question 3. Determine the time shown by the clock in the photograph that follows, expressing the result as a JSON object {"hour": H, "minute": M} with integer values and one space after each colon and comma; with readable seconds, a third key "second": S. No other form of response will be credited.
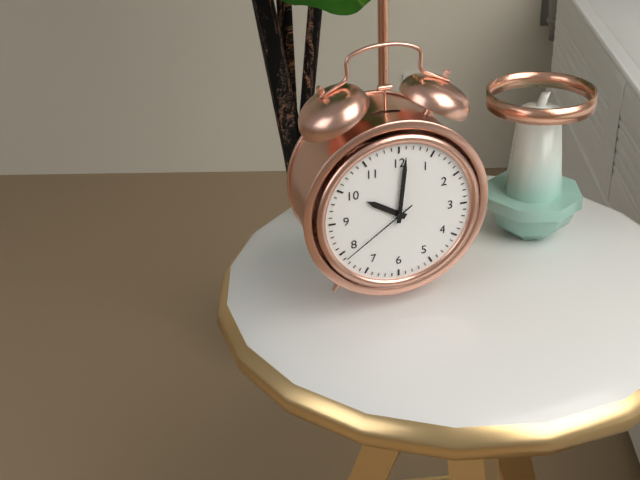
{"hour": 10, "minute": 1, "second": 39}
